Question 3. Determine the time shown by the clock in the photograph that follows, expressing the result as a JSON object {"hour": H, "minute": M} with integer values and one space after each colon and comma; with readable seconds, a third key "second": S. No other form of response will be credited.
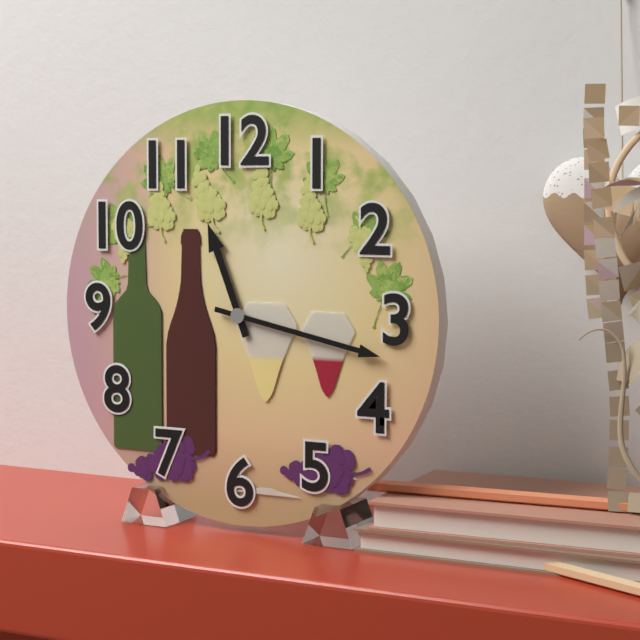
{"hour": 11, "minute": 17}
